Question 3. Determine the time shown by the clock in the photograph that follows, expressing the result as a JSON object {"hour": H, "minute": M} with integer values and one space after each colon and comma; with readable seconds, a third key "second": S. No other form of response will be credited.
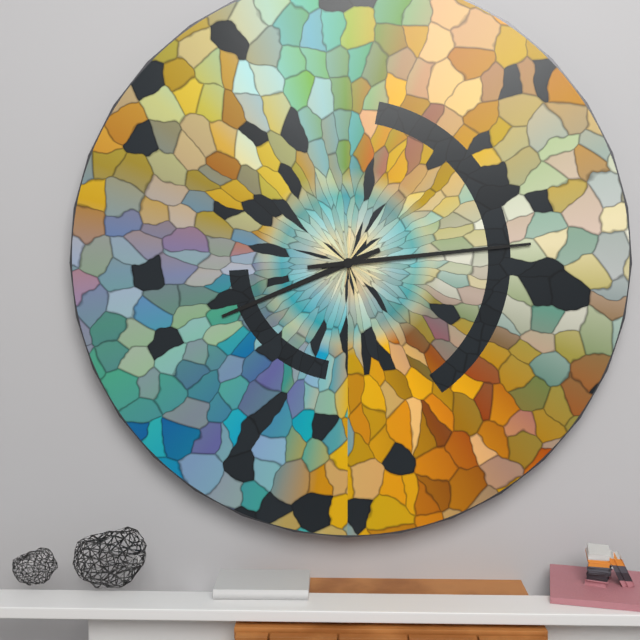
{"hour": 8, "minute": 14}
